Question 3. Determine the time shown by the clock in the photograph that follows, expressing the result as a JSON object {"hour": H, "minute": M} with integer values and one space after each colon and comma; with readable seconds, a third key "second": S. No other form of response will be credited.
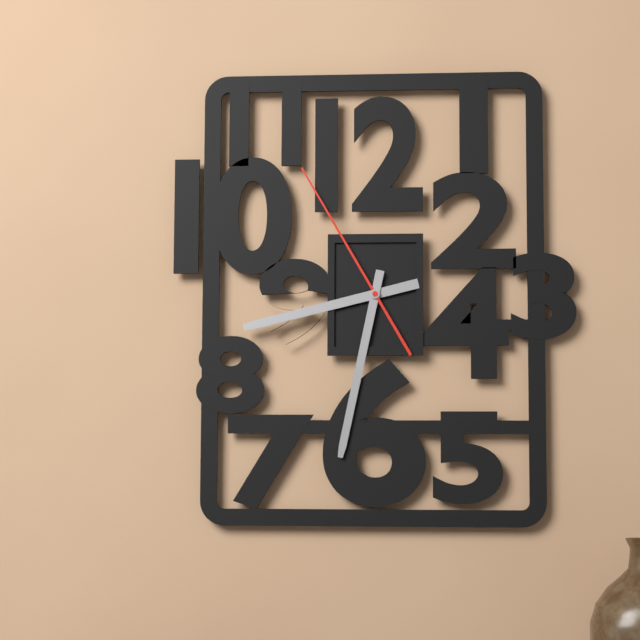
{"hour": 8, "minute": 32, "second": 55}
